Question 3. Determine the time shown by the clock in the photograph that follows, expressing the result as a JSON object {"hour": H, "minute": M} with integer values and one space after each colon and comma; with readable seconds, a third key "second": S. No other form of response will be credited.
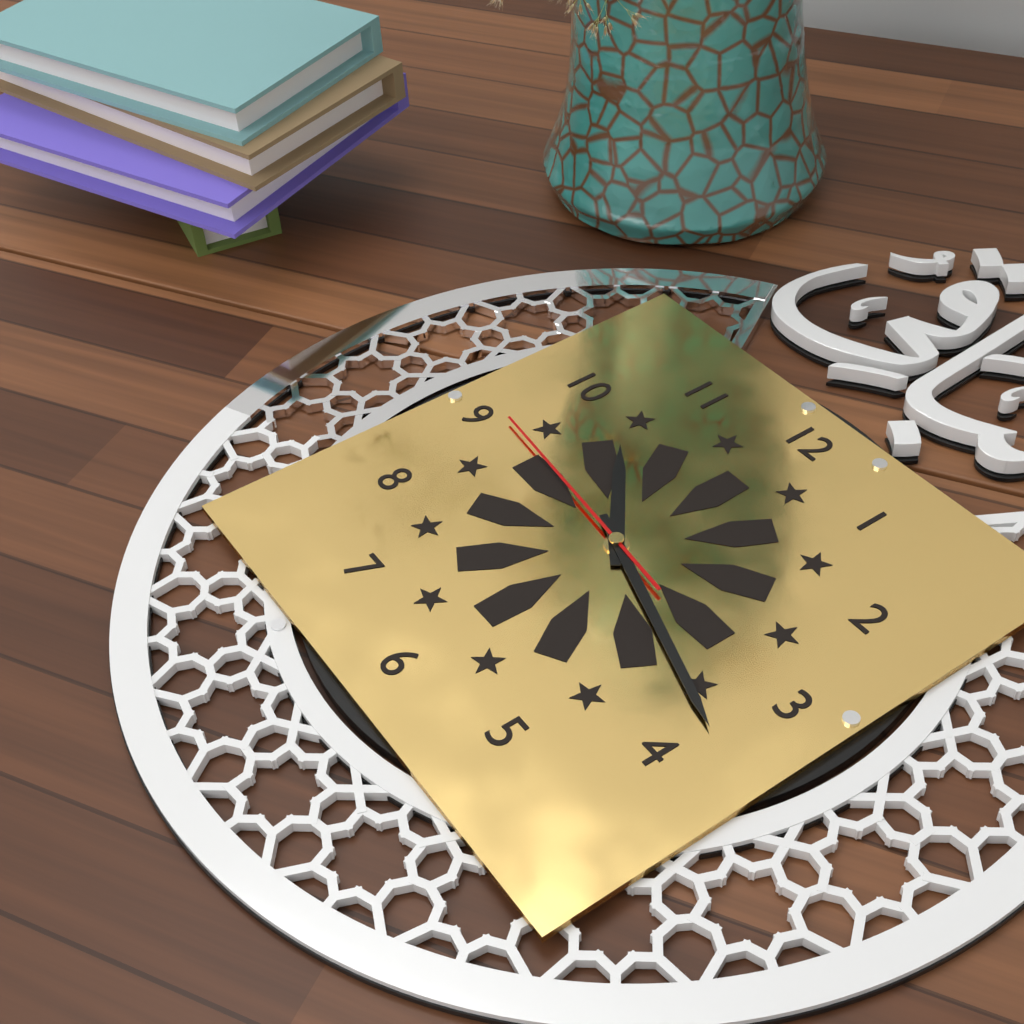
{"hour": 10, "minute": 18, "second": 46}
